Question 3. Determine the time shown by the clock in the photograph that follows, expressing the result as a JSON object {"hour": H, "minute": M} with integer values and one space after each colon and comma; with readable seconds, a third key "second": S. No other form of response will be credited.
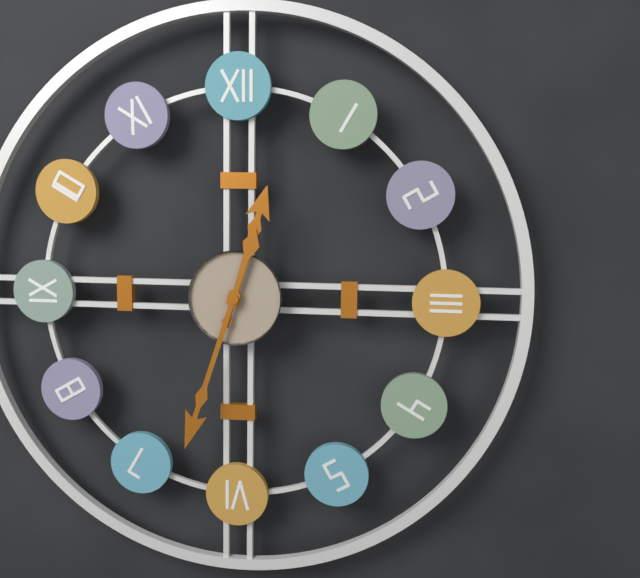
{"hour": 12, "minute": 33}
